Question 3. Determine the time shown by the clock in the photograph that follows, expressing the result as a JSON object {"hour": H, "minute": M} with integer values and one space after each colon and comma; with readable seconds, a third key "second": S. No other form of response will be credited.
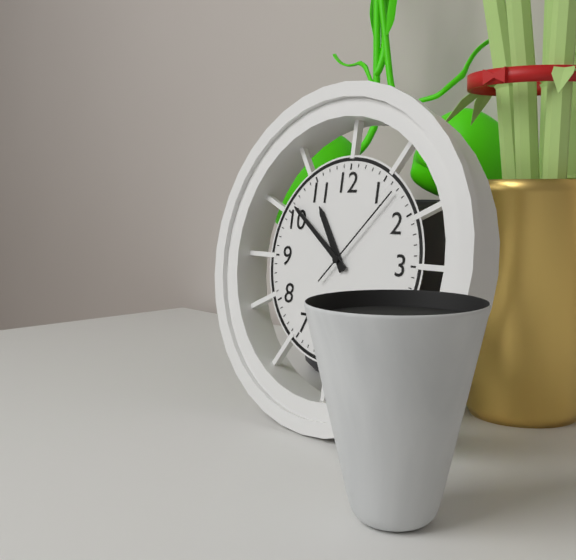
{"hour": 10, "minute": 51, "second": 7}
